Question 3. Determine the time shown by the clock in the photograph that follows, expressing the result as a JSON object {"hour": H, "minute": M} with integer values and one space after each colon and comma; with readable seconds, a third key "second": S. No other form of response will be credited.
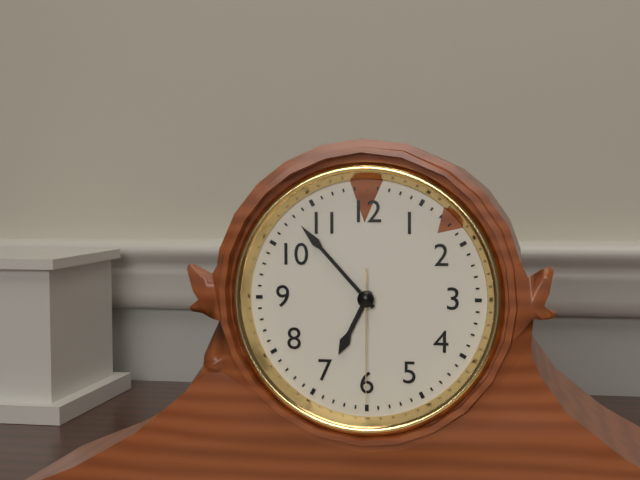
{"hour": 6, "minute": 53, "second": 30}
